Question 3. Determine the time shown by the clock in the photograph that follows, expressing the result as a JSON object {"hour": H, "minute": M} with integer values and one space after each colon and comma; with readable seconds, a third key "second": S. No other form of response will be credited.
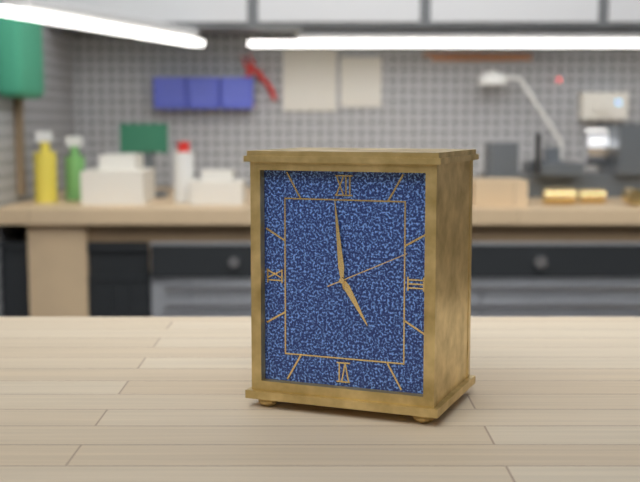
{"hour": 4, "minute": 59, "second": 11}
